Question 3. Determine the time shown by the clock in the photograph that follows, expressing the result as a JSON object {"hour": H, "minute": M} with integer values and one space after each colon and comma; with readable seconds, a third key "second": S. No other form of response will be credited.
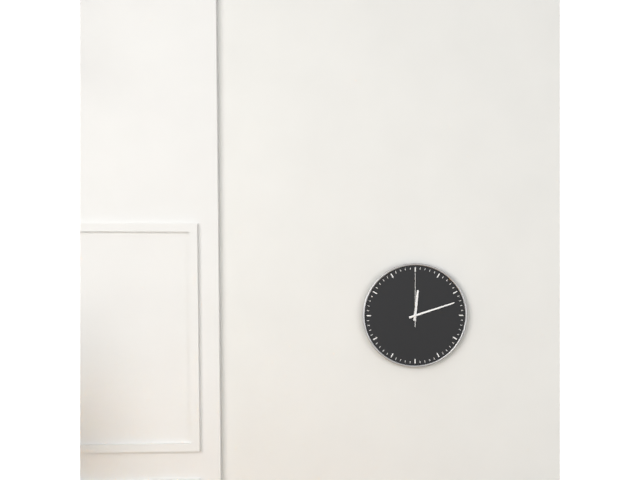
{"hour": 12, "minute": 12, "second": 0}
